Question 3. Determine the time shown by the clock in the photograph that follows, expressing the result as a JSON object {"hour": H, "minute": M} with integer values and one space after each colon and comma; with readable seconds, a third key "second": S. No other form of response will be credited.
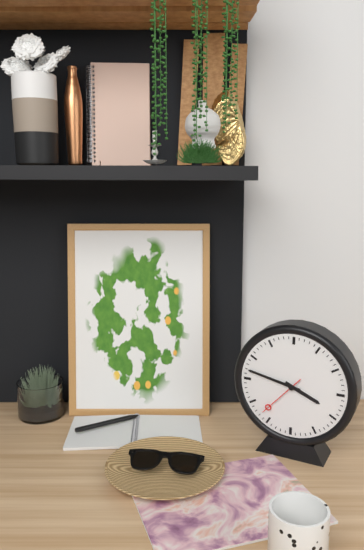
{"hour": 3, "minute": 47, "second": 37}
